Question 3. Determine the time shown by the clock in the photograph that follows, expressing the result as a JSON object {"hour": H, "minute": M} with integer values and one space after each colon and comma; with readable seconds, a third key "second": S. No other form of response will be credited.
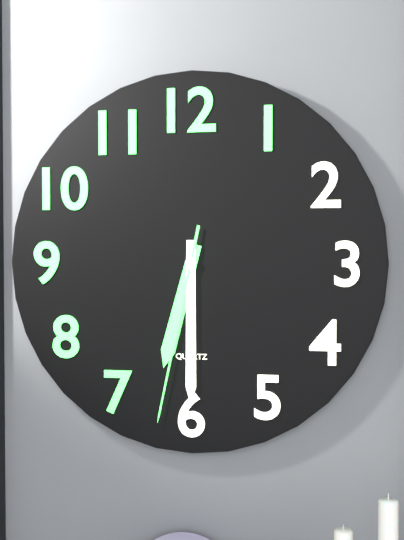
{"hour": 6, "minute": 30, "second": 32}
